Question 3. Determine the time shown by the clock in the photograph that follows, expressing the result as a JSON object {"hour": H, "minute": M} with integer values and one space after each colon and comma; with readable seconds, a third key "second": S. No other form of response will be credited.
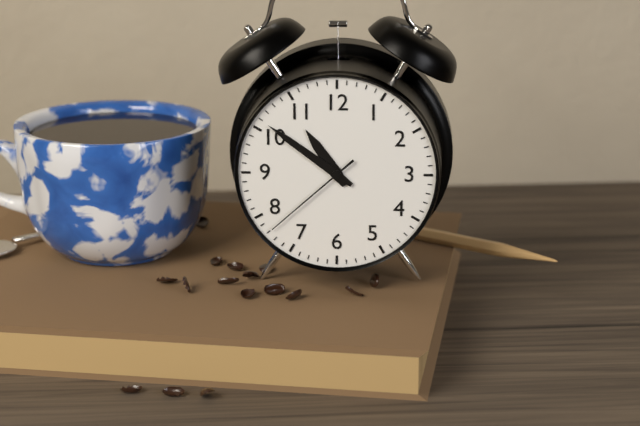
{"hour": 10, "minute": 51, "second": 38}
